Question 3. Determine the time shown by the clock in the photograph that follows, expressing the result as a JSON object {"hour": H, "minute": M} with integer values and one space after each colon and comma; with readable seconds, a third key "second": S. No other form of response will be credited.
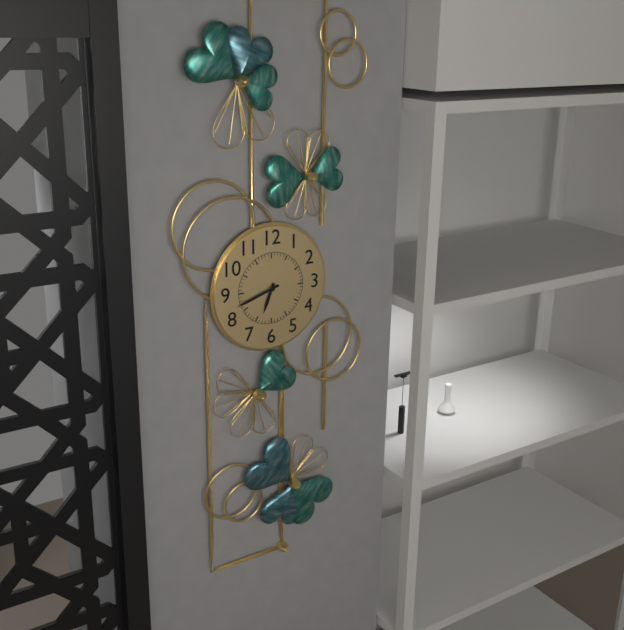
{"hour": 6, "minute": 42}
